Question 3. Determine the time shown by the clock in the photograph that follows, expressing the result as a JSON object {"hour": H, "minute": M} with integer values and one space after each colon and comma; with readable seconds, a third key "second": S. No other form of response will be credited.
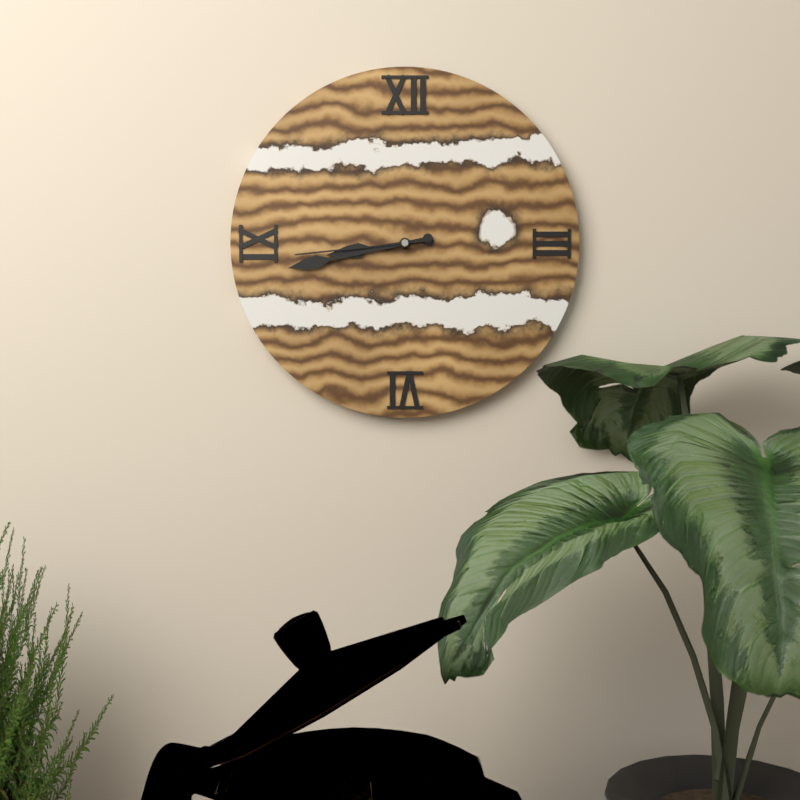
{"hour": 8, "minute": 43, "second": 44}
